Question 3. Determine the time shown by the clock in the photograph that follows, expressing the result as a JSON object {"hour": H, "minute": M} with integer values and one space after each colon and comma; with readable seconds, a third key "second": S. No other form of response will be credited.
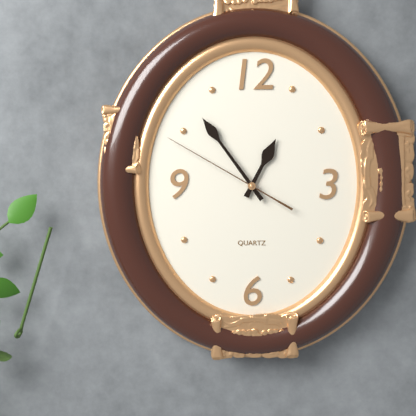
{"hour": 12, "minute": 54, "second": 50}
